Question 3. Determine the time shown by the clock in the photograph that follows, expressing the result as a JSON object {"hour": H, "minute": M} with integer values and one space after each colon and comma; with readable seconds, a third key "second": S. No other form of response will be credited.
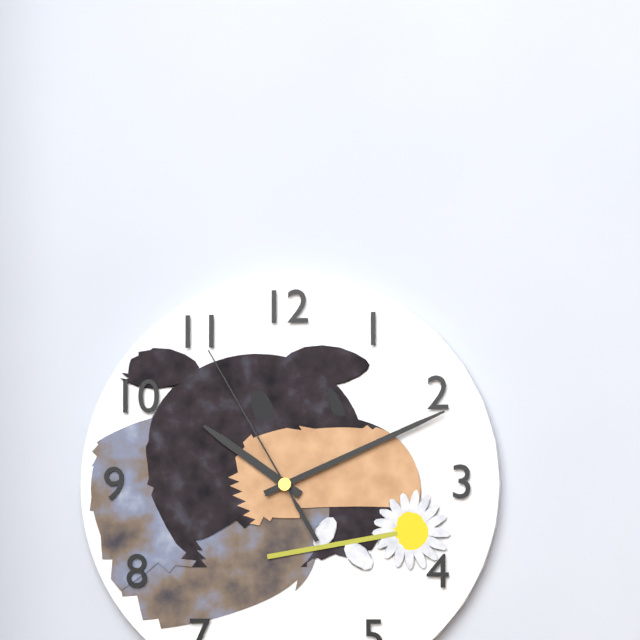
{"hour": 10, "minute": 11, "second": 55}
